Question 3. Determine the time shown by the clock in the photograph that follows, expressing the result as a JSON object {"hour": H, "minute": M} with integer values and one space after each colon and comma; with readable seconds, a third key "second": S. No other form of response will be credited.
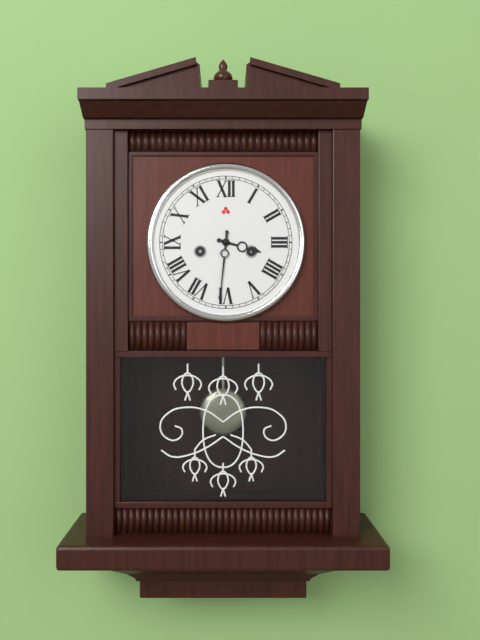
{"hour": 3, "minute": 31}
